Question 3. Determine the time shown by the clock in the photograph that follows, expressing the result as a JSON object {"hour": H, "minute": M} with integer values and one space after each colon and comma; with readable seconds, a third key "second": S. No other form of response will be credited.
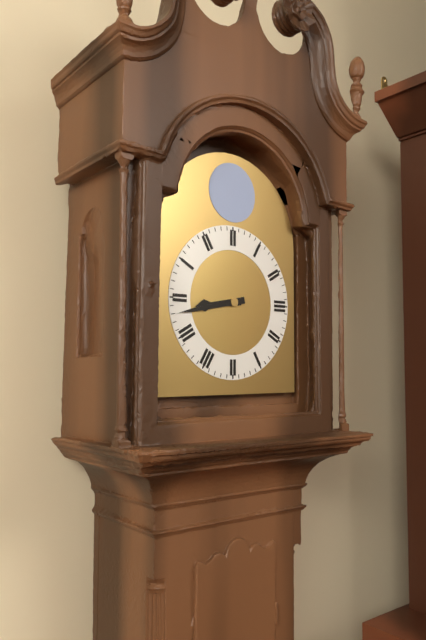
{"hour": 8, "minute": 43}
